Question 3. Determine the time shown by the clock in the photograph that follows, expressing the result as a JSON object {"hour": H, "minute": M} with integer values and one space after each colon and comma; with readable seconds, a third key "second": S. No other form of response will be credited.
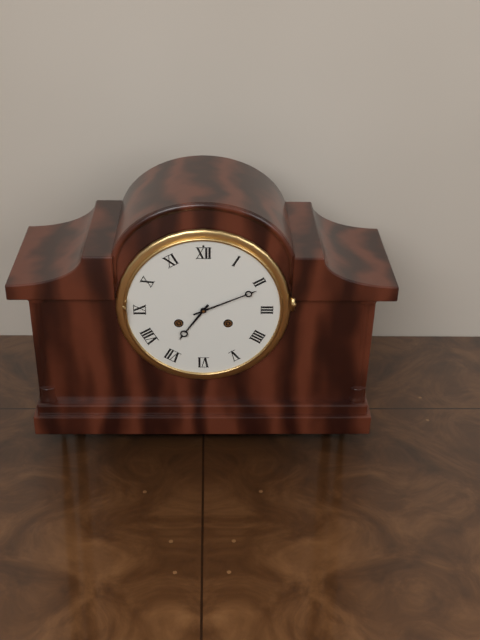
{"hour": 7, "minute": 11}
